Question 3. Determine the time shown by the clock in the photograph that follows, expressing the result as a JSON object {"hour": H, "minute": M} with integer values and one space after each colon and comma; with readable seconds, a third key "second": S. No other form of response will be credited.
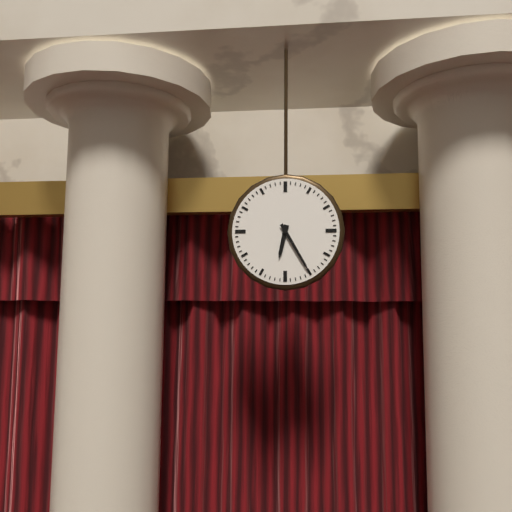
{"hour": 6, "minute": 25}
